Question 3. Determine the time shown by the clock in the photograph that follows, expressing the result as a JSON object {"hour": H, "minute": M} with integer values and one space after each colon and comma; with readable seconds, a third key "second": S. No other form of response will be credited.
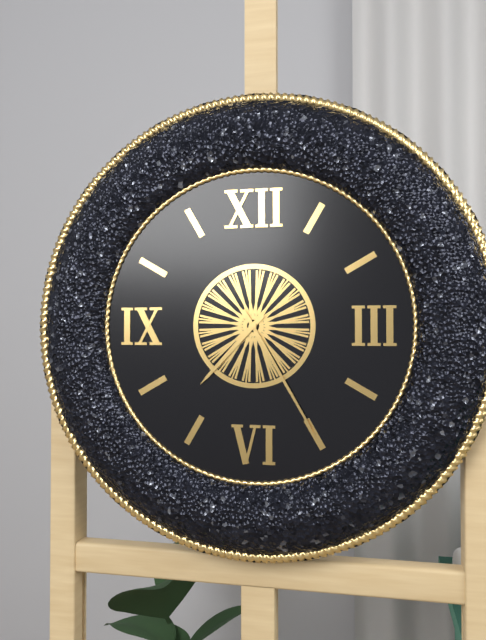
{"hour": 7, "minute": 25}
